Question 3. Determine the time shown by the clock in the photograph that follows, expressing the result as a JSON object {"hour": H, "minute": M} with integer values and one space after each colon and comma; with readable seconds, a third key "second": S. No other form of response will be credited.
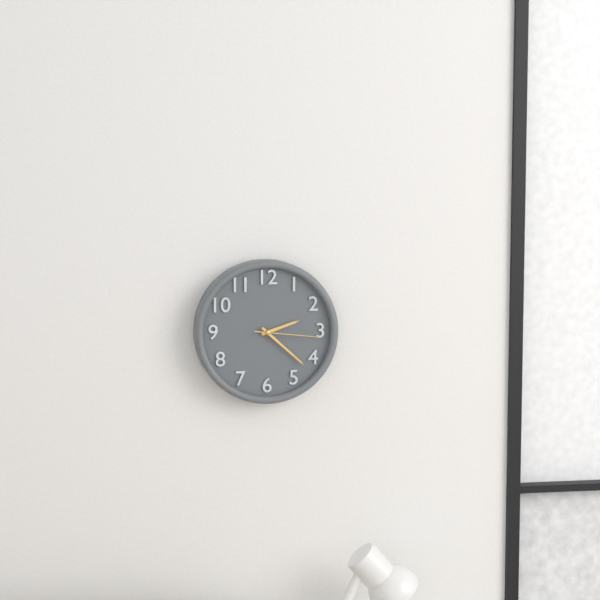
{"hour": 2, "minute": 22, "second": 16}
